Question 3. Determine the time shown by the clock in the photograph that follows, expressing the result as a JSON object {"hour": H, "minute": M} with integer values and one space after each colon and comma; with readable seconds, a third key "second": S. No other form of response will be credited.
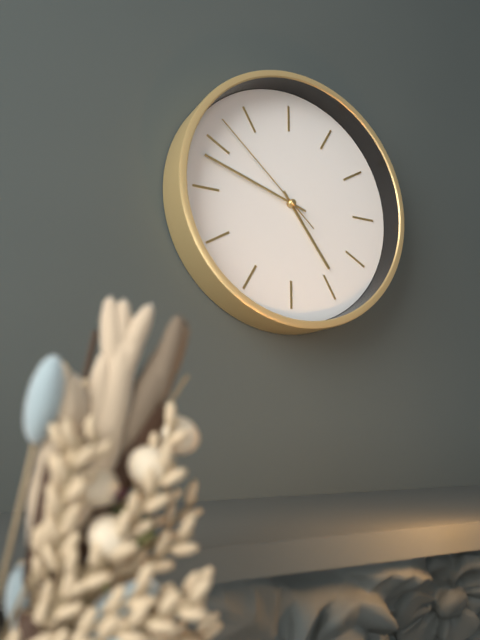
{"hour": 4, "minute": 48, "second": 52}
